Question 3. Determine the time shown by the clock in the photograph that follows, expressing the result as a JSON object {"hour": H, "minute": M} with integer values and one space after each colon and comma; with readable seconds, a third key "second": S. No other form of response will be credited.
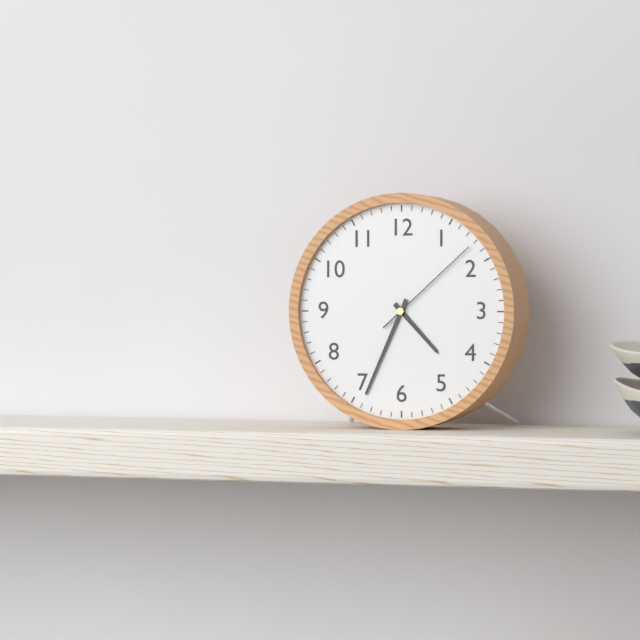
{"hour": 4, "minute": 34, "second": 8}
